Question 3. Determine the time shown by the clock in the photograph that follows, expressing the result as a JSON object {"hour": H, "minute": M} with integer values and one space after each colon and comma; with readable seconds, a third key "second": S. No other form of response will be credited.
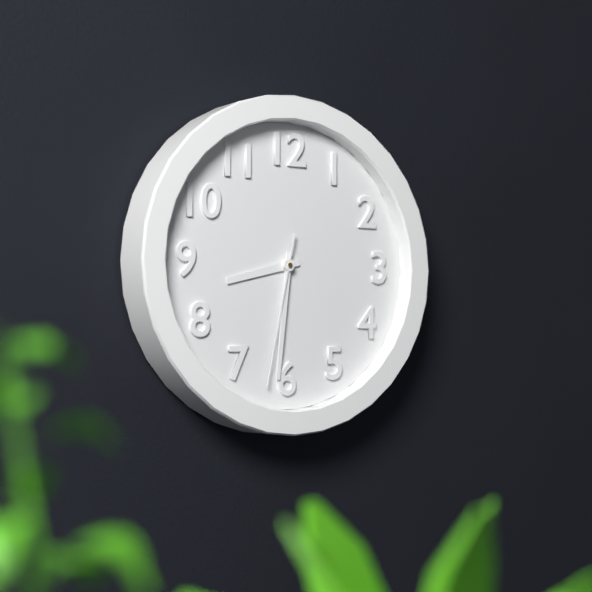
{"hour": 8, "minute": 31, "second": 32}
